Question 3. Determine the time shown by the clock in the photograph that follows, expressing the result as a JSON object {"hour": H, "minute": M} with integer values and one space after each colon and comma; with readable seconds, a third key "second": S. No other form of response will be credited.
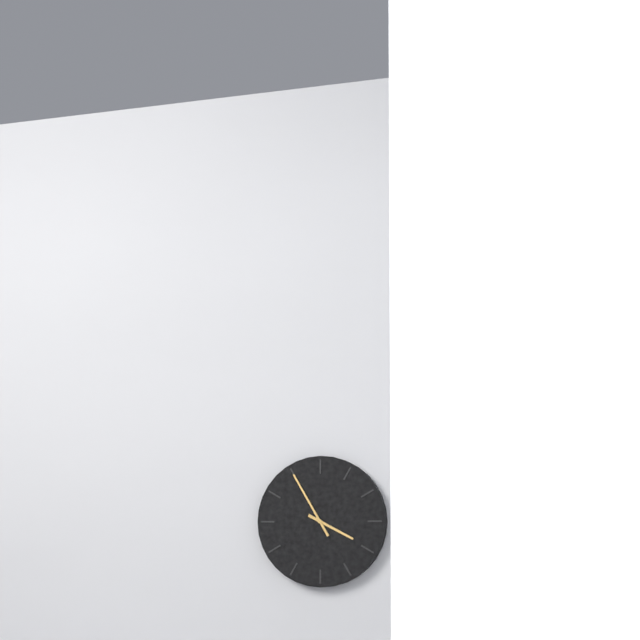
{"hour": 3, "minute": 55}
